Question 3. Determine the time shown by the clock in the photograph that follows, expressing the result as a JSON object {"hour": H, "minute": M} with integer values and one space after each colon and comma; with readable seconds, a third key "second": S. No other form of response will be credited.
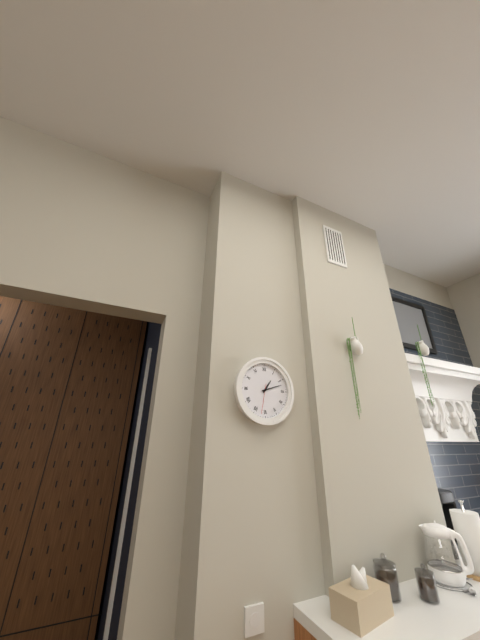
{"hour": 1, "minute": 12}
